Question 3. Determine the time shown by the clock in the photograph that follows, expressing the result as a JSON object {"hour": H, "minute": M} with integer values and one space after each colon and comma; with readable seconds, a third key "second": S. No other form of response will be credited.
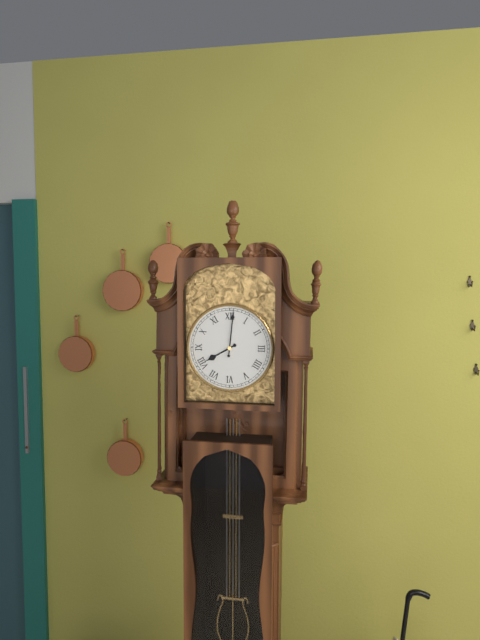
{"hour": 8, "minute": 1}
